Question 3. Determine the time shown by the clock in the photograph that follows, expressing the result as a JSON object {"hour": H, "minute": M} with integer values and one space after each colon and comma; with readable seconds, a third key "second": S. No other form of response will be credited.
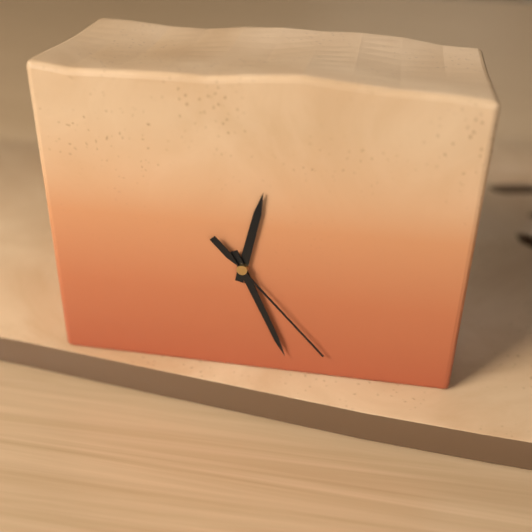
{"hour": 12, "minute": 26, "second": 23}
